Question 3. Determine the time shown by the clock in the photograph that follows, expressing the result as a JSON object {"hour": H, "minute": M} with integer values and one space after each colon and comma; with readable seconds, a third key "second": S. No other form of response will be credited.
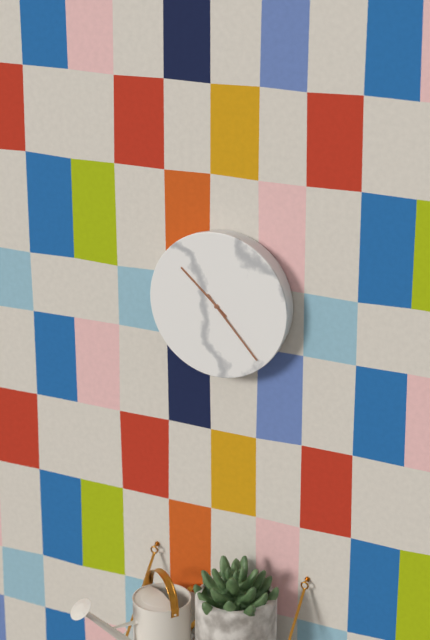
{"hour": 10, "minute": 23}
